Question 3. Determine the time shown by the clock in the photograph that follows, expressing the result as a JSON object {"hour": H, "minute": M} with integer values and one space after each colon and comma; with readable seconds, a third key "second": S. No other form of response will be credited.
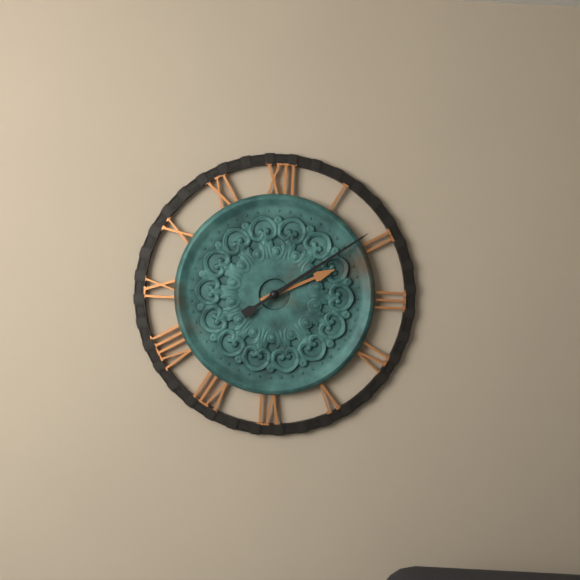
{"hour": 2, "minute": 9}
